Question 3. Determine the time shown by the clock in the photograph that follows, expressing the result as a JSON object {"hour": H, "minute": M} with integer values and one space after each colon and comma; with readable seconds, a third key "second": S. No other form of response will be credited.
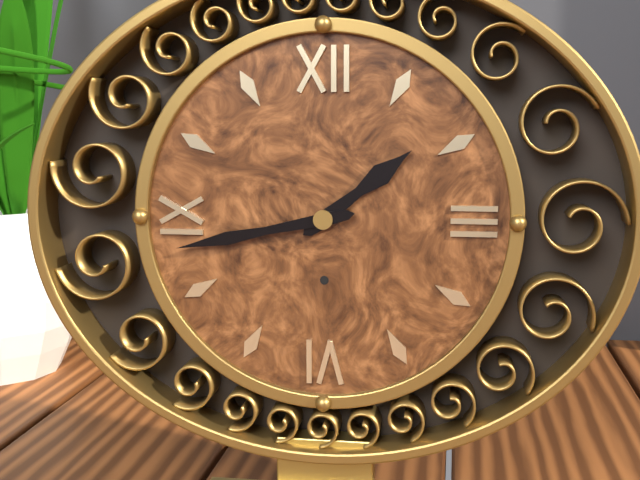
{"hour": 1, "minute": 43}
